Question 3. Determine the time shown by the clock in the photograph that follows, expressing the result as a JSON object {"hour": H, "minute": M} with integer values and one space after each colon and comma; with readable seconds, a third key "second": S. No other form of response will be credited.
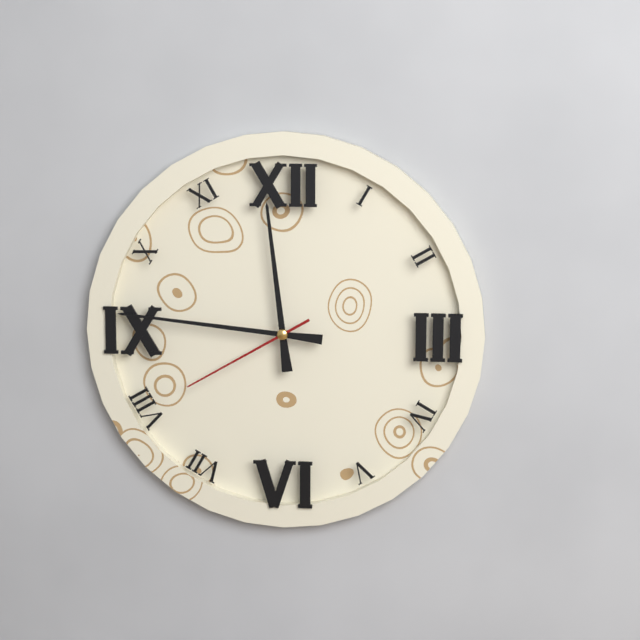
{"hour": 11, "minute": 46, "second": 40}
